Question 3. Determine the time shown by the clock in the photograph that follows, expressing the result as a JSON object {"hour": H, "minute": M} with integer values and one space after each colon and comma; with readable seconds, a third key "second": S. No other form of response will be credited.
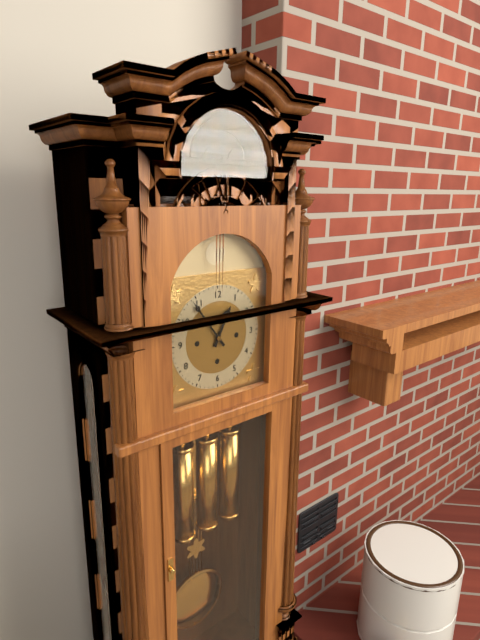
{"hour": 12, "minute": 54}
